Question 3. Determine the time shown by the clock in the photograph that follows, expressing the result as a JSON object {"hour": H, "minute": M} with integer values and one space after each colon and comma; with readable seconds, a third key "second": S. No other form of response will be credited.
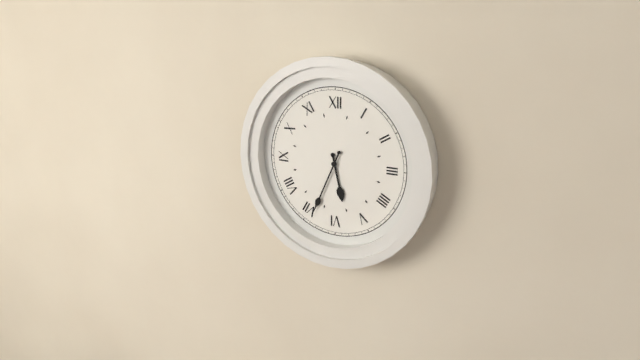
{"hour": 5, "minute": 34}
